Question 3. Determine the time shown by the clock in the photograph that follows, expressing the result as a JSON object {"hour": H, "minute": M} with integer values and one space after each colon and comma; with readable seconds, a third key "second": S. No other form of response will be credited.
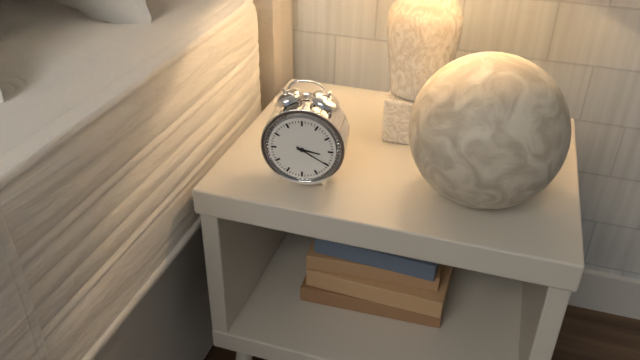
{"hour": 3, "minute": 20}
